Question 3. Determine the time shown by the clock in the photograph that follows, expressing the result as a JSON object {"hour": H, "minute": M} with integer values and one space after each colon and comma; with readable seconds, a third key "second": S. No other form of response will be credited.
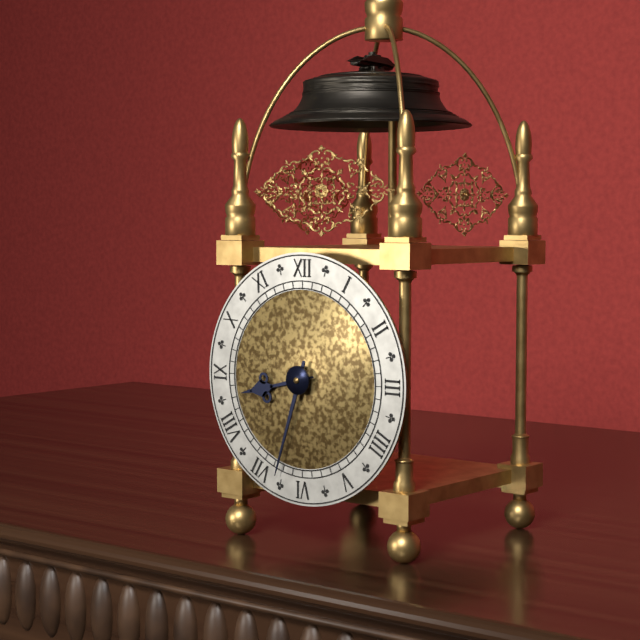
{"hour": 8, "minute": 33}
